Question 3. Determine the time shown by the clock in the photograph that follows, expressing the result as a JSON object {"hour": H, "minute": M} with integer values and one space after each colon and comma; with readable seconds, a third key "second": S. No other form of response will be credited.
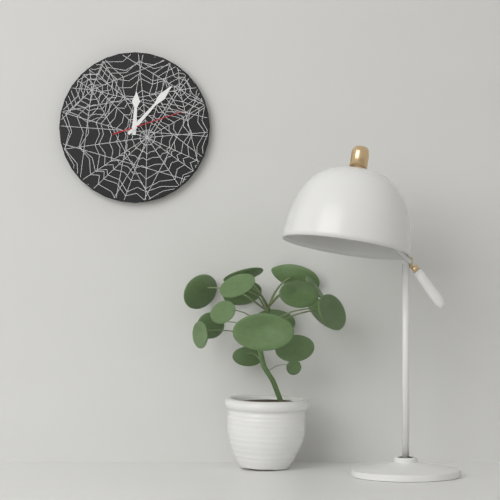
{"hour": 12, "minute": 7, "second": 12}
